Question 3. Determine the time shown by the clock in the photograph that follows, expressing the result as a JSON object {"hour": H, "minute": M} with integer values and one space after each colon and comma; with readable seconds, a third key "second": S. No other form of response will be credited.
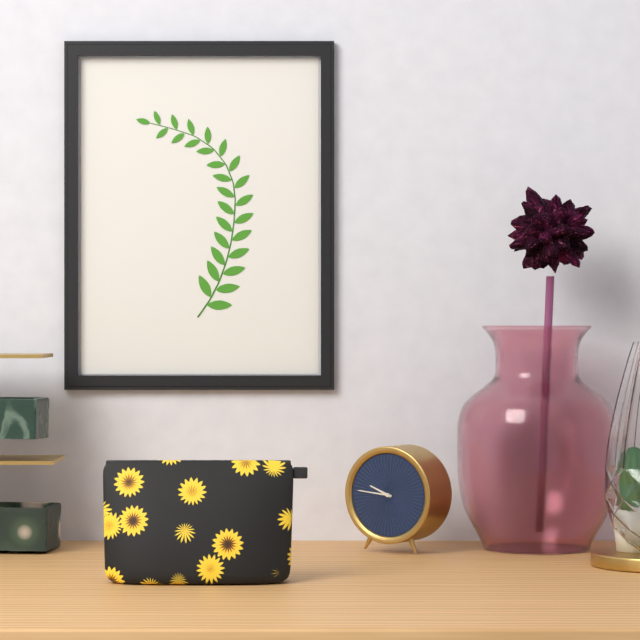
{"hour": 9, "minute": 46}
